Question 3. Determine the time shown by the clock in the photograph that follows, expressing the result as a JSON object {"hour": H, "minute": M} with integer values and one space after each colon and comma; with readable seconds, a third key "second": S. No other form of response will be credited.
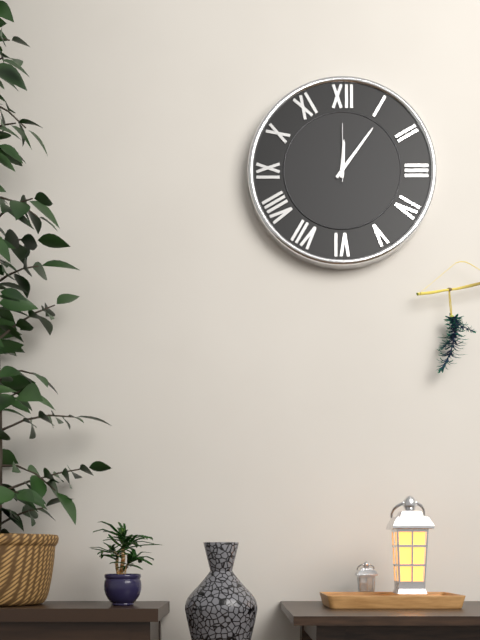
{"hour": 12, "minute": 6, "second": 0}
